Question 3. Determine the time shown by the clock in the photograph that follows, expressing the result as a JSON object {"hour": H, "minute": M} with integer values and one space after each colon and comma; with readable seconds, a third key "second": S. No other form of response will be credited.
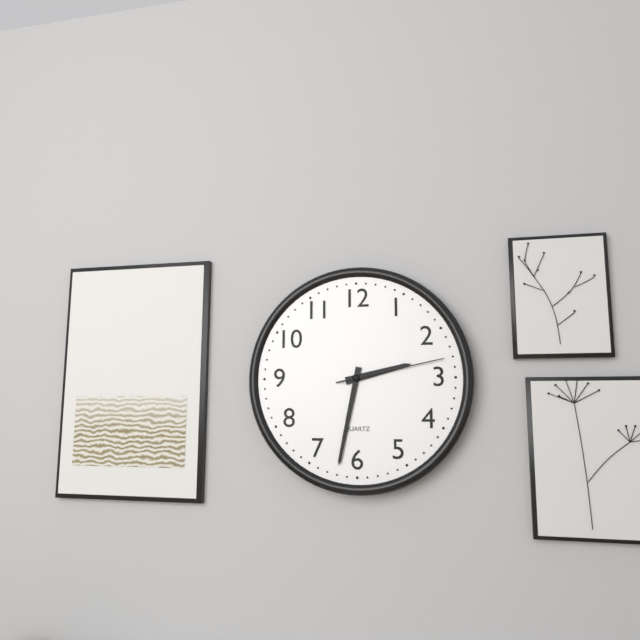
{"hour": 2, "minute": 32, "second": 13}
